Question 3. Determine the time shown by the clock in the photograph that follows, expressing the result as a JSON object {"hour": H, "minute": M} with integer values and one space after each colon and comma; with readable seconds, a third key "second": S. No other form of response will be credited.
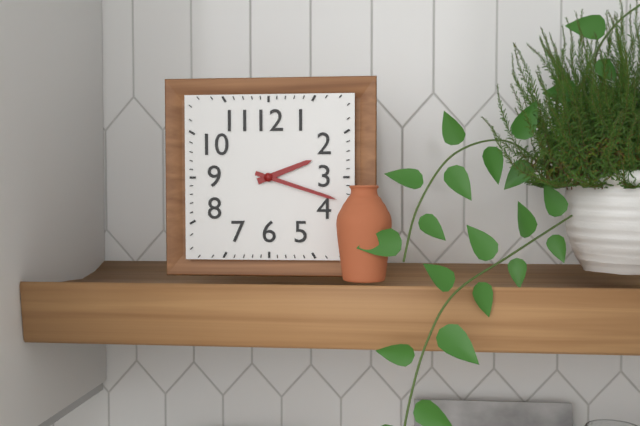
{"hour": 2, "minute": 18}
